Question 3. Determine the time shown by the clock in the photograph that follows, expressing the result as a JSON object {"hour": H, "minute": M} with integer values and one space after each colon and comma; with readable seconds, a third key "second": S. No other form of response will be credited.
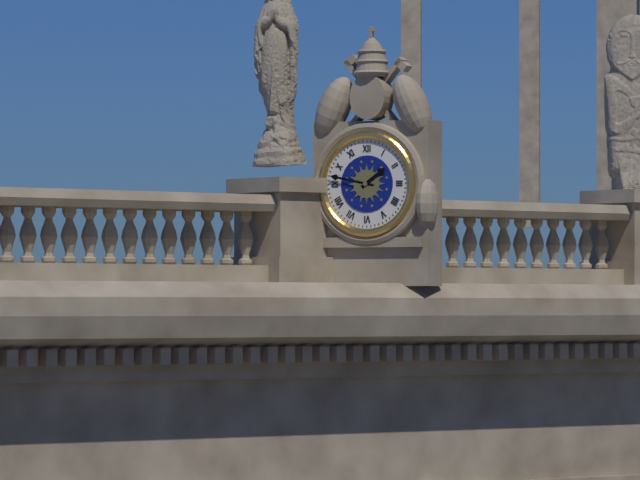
{"hour": 1, "minute": 47}
